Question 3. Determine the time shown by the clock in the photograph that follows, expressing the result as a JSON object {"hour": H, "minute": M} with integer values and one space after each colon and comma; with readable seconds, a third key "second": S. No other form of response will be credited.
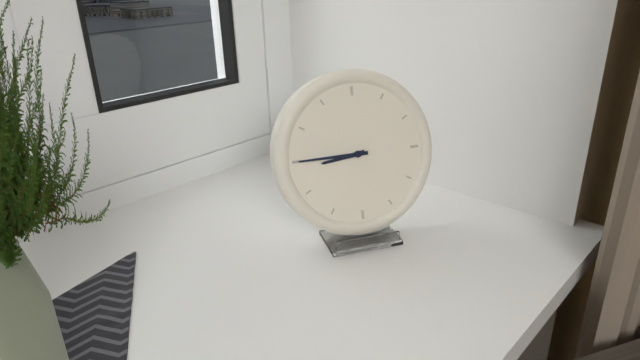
{"hour": 8, "minute": 45}
